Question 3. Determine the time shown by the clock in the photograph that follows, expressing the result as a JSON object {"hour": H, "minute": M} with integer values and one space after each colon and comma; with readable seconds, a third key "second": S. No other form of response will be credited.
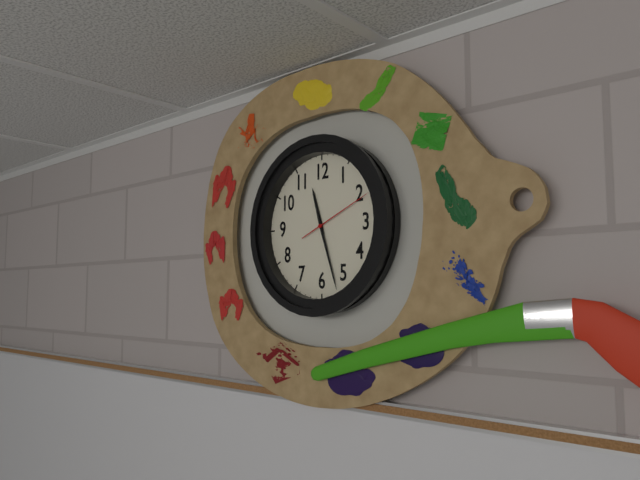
{"hour": 11, "minute": 27, "second": 11}
